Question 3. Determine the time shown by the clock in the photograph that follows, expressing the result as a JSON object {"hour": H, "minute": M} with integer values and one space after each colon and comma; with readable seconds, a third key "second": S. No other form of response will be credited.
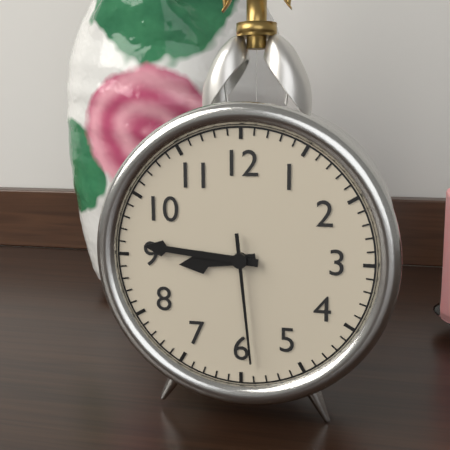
{"hour": 8, "minute": 46, "second": 29}
